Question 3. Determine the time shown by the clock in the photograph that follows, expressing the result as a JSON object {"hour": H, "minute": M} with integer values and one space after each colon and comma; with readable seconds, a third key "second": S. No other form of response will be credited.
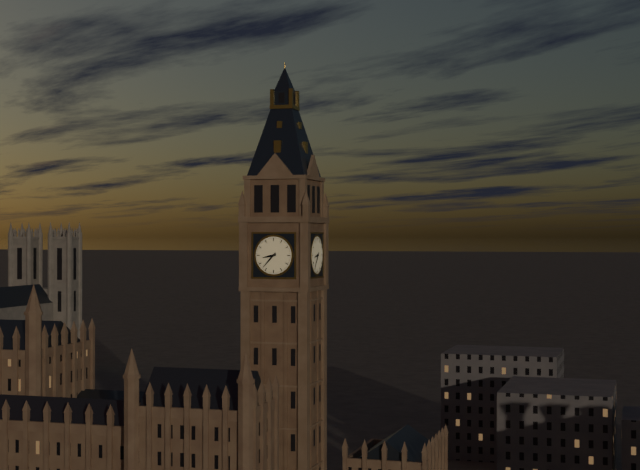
{"hour": 8, "minute": 37}
